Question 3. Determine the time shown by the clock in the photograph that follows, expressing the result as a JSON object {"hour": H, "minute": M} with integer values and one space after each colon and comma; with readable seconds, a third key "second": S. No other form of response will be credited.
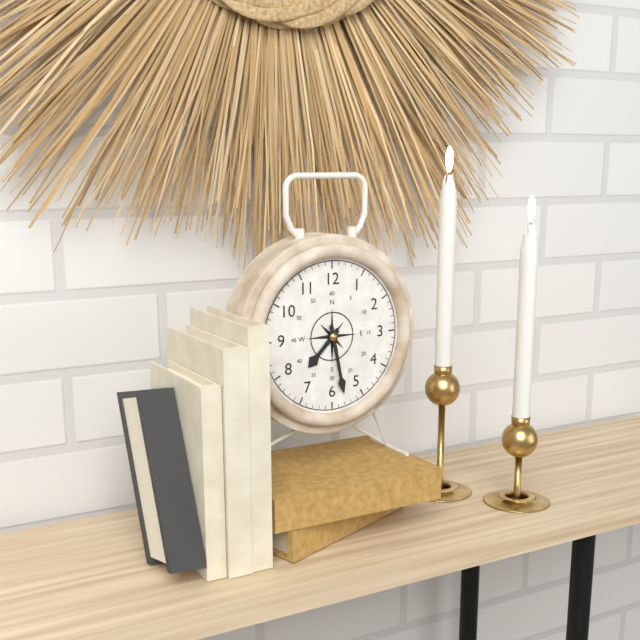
{"hour": 7, "minute": 28}
